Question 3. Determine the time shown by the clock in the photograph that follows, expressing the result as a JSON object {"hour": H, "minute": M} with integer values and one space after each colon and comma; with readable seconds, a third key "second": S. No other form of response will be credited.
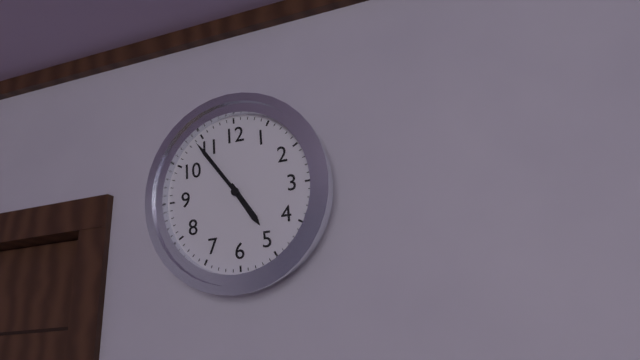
{"hour": 4, "minute": 54}
